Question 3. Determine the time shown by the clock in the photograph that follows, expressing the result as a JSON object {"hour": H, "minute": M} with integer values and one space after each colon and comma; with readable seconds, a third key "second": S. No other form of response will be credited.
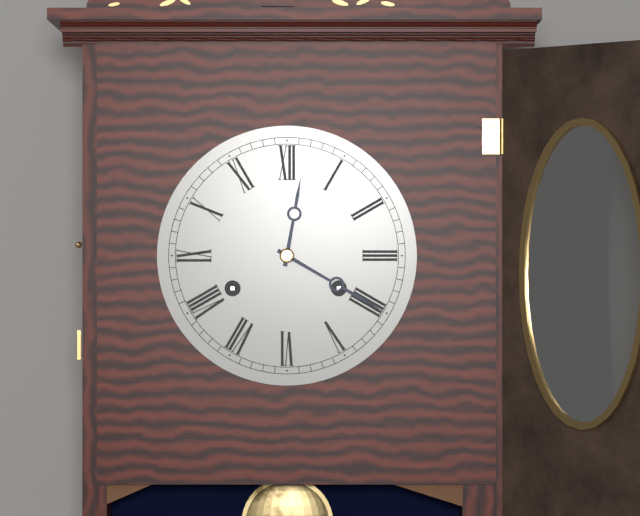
{"hour": 12, "minute": 20}
